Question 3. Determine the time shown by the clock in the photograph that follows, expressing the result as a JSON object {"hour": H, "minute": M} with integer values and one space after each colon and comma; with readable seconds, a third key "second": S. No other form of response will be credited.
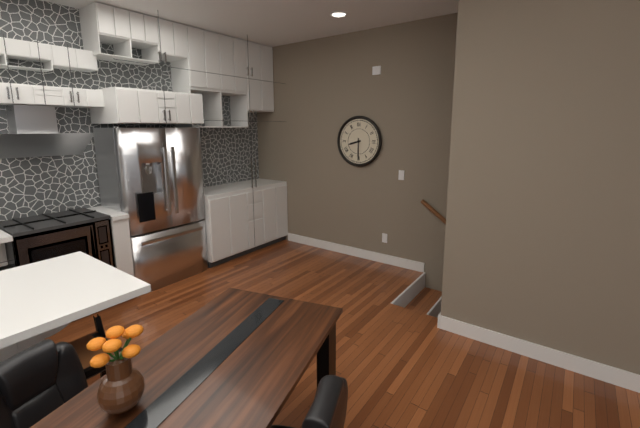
{"hour": 8, "minute": 30}
